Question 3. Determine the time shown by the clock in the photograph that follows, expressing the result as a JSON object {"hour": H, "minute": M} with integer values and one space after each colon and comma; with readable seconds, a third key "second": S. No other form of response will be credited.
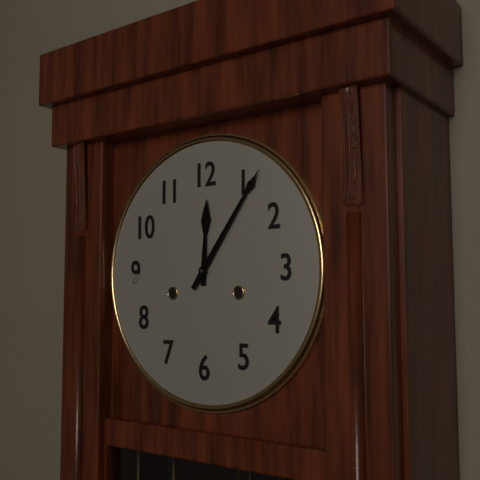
{"hour": 12, "minute": 6}
